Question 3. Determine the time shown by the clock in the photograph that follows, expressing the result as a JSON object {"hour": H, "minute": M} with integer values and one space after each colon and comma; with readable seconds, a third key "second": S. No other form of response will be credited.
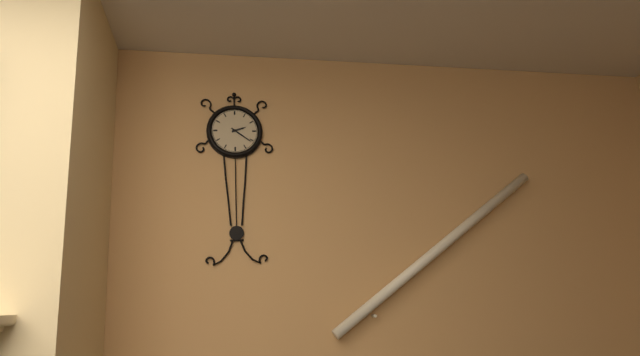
{"hour": 2, "minute": 21}
